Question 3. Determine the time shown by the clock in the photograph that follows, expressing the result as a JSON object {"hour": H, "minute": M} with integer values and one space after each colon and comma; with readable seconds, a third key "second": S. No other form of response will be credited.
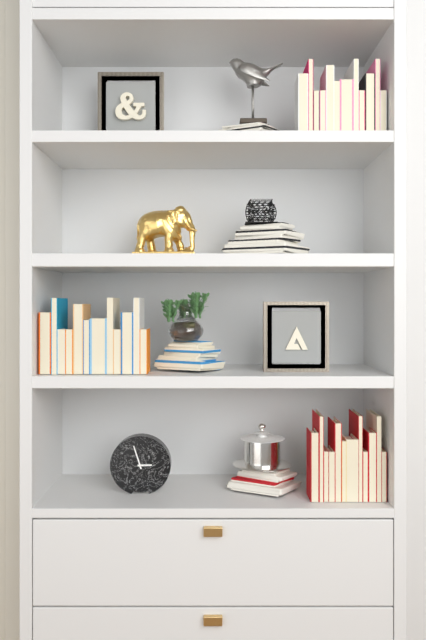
{"hour": 2, "minute": 57}
